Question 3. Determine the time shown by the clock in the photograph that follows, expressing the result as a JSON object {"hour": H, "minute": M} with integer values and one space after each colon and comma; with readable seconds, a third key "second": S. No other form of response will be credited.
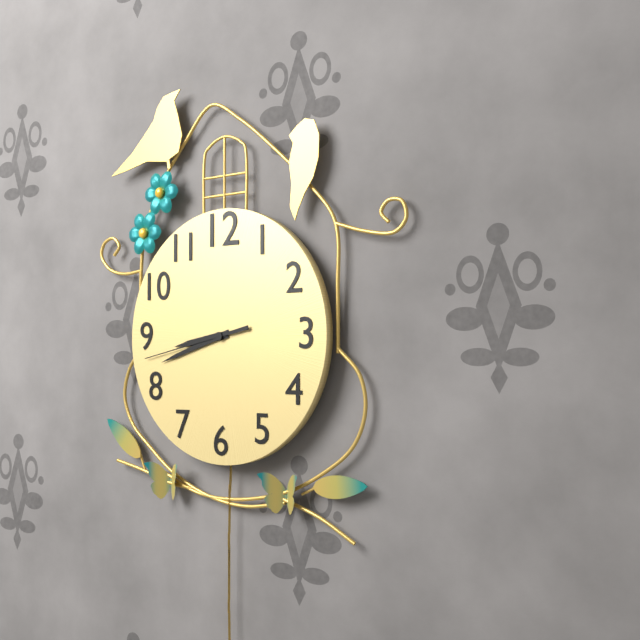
{"hour": 8, "minute": 42, "second": 43}
